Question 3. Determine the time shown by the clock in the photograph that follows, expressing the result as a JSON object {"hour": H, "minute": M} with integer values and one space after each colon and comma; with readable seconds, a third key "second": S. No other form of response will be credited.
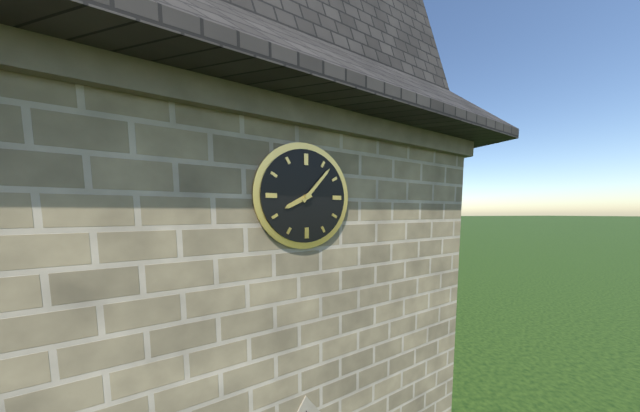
{"hour": 8, "minute": 7}
